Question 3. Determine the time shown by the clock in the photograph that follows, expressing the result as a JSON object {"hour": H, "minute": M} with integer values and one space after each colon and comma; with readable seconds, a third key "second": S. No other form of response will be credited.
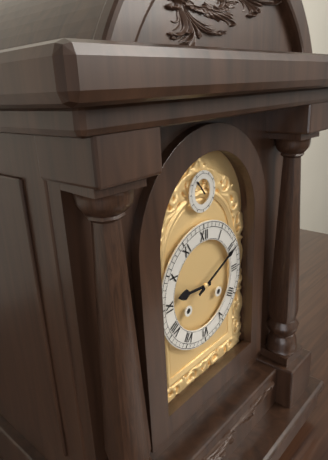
{"hour": 9, "minute": 11}
